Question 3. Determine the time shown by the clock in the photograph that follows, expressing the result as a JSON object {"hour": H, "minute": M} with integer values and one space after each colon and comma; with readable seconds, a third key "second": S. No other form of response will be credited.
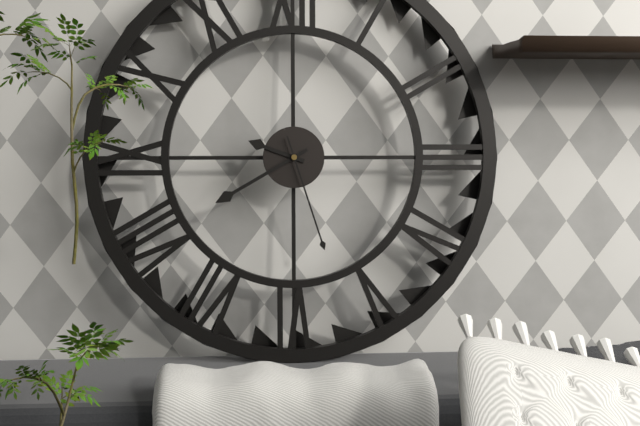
{"hour": 9, "minute": 40, "second": 27}
